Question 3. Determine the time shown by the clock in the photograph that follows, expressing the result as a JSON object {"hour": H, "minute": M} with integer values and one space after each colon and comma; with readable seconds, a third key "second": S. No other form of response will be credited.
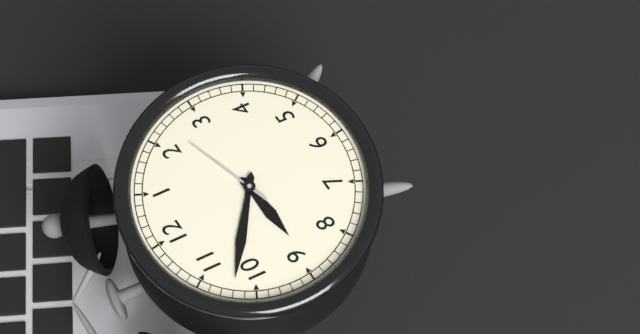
{"hour": 8, "minute": 52, "second": 12}
